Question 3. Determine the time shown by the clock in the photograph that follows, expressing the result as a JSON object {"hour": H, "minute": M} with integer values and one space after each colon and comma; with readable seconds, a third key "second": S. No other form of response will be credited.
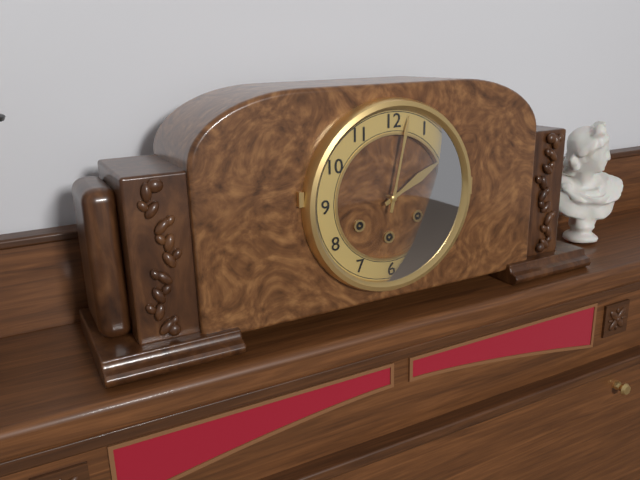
{"hour": 2, "minute": 2}
